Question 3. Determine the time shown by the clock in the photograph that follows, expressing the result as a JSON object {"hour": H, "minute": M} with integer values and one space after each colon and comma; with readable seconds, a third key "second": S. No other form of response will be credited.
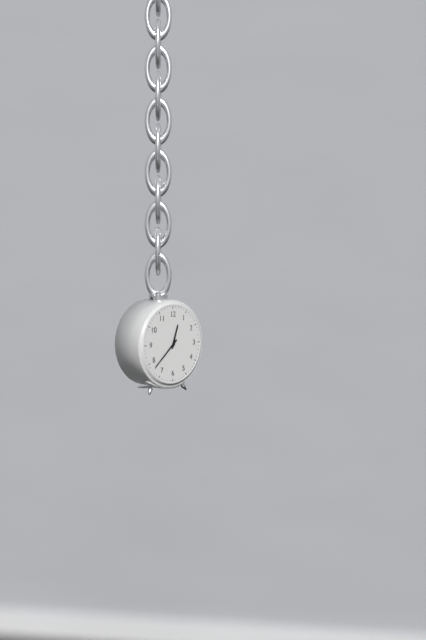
{"hour": 12, "minute": 38}
